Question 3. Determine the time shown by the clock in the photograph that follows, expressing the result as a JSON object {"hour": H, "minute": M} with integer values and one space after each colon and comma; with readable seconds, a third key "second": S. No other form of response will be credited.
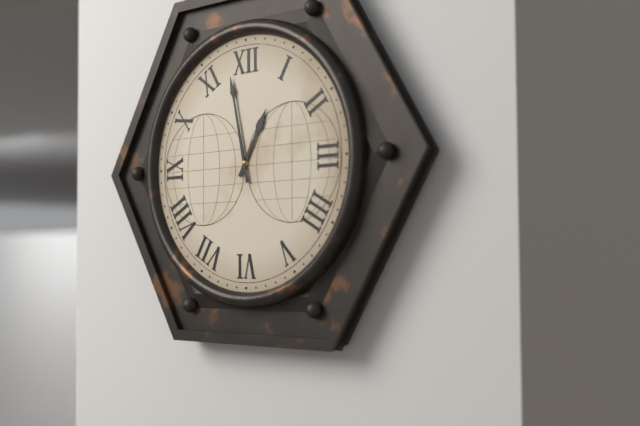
{"hour": 12, "minute": 58}
